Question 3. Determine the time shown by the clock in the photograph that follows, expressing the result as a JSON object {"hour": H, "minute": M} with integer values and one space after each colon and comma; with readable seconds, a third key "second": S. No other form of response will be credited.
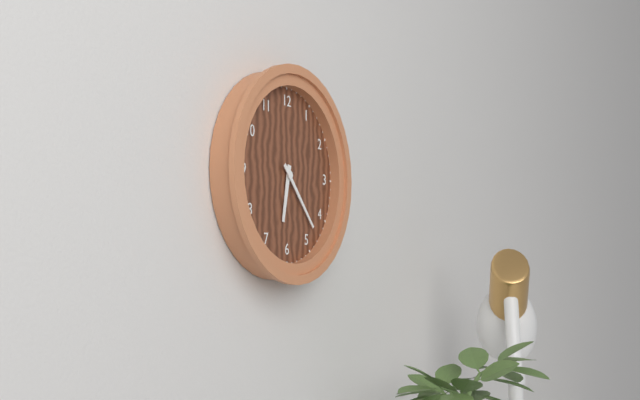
{"hour": 6, "minute": 23}
